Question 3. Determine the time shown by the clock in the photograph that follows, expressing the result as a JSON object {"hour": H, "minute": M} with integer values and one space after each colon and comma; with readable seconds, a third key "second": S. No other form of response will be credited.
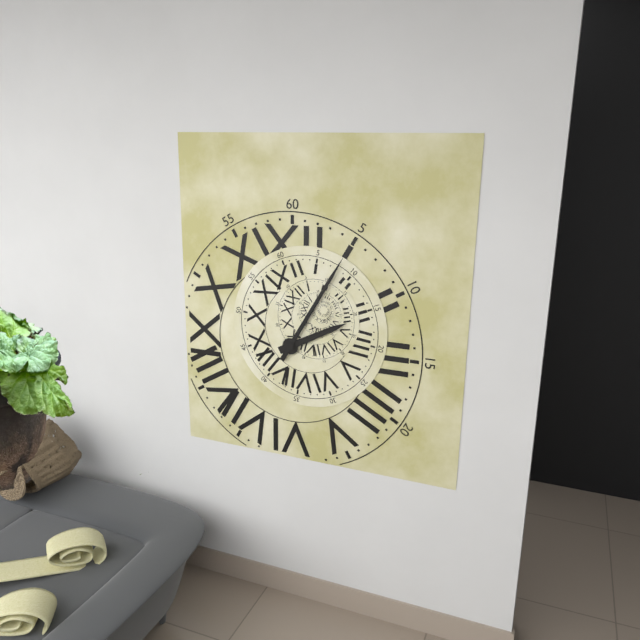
{"hour": 2, "minute": 5}
